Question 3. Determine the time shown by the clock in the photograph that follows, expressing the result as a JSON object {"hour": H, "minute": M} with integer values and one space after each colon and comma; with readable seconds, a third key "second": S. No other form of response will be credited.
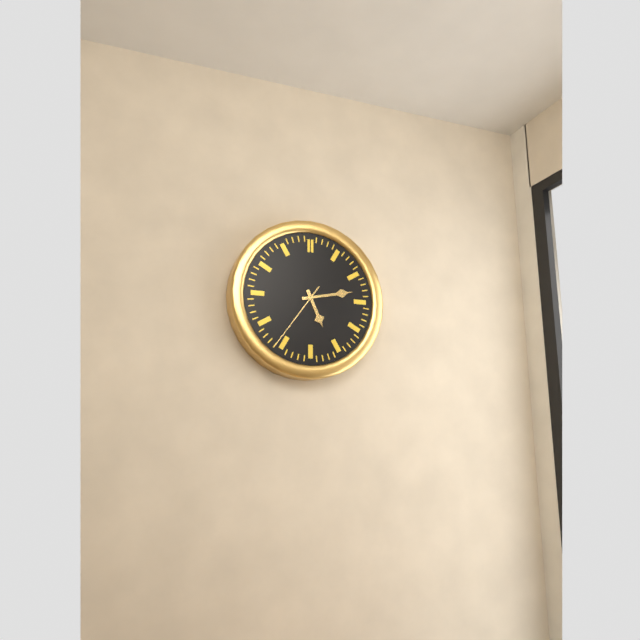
{"hour": 5, "minute": 13, "second": 36}
